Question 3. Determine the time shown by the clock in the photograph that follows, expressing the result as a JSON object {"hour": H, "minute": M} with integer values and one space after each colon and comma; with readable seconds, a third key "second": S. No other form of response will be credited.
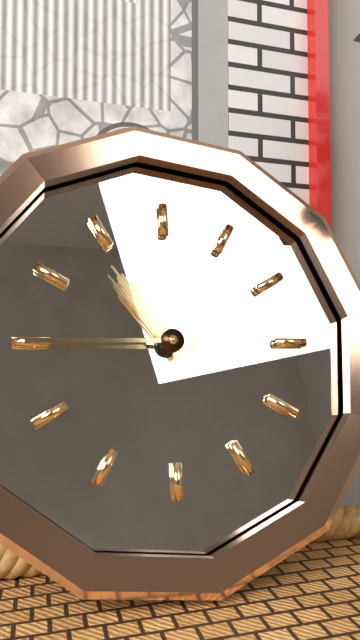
{"hour": 10, "minute": 45}
